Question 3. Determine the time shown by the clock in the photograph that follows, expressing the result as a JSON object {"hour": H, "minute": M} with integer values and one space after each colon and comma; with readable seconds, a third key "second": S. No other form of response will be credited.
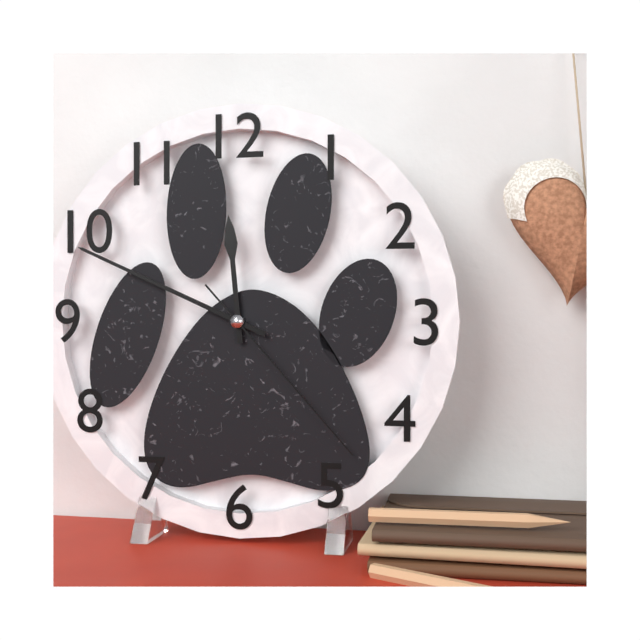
{"hour": 11, "minute": 49, "second": 23}
